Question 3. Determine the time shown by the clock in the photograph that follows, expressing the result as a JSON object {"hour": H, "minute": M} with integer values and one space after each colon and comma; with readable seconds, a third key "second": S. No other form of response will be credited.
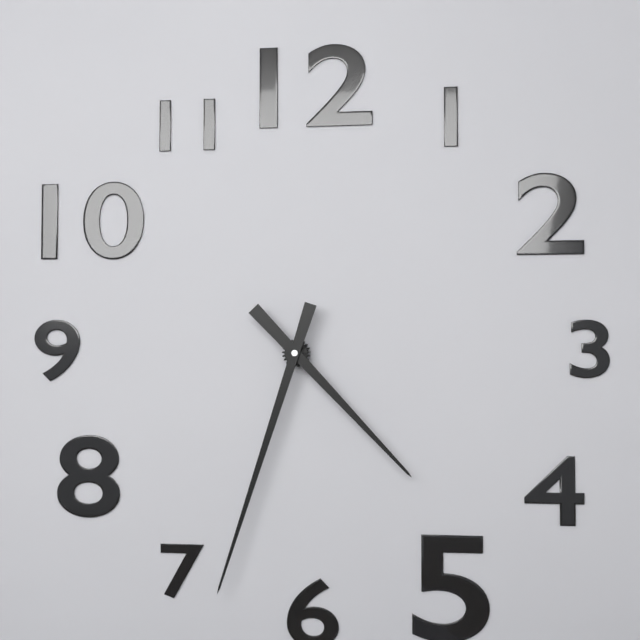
{"hour": 4, "minute": 33}
